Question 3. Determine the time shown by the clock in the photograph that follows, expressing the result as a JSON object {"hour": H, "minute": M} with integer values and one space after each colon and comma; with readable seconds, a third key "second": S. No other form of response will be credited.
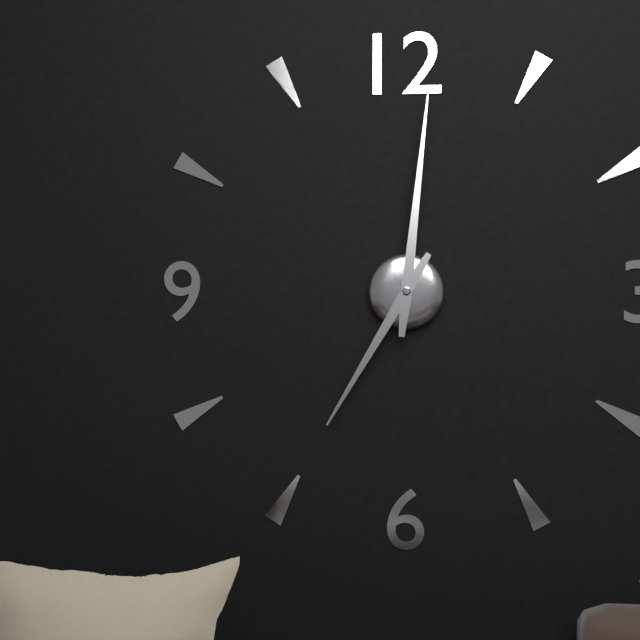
{"hour": 7, "minute": 1}
